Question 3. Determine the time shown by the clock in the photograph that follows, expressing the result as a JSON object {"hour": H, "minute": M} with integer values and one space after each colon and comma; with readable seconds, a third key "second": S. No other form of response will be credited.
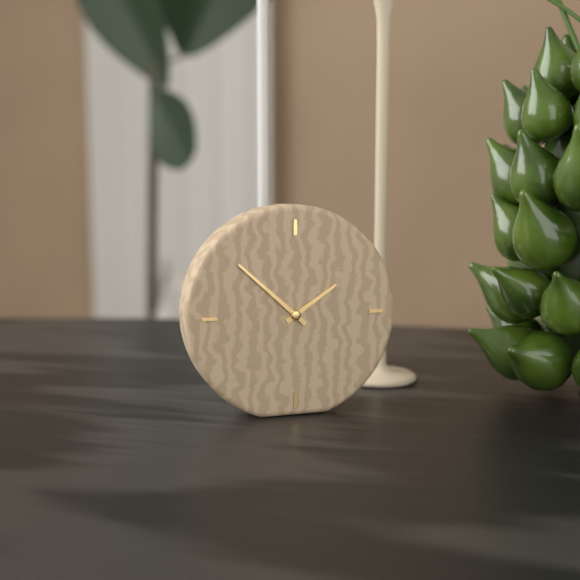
{"hour": 1, "minute": 52}
